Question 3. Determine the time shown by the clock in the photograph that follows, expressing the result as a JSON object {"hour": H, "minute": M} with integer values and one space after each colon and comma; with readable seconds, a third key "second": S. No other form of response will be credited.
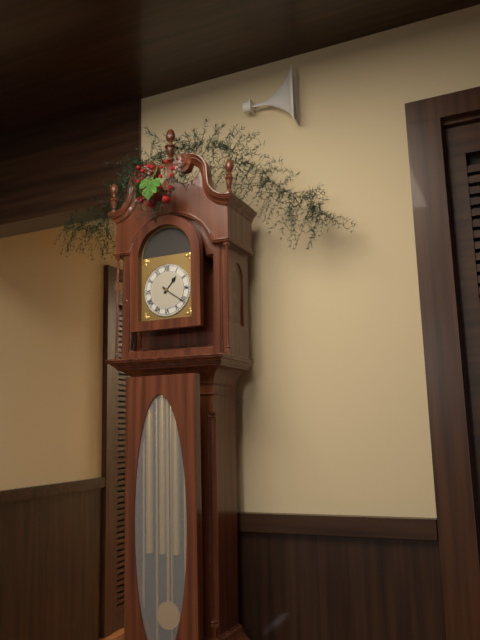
{"hour": 1, "minute": 21}
